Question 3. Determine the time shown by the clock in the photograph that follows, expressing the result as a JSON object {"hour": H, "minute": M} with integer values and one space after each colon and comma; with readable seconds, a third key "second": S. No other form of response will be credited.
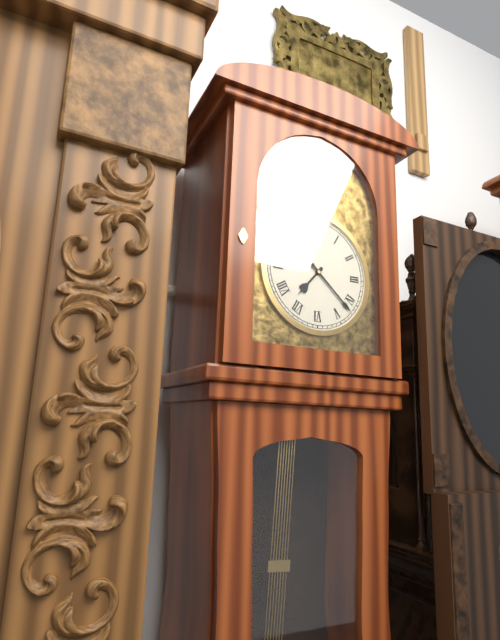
{"hour": 7, "minute": 22}
